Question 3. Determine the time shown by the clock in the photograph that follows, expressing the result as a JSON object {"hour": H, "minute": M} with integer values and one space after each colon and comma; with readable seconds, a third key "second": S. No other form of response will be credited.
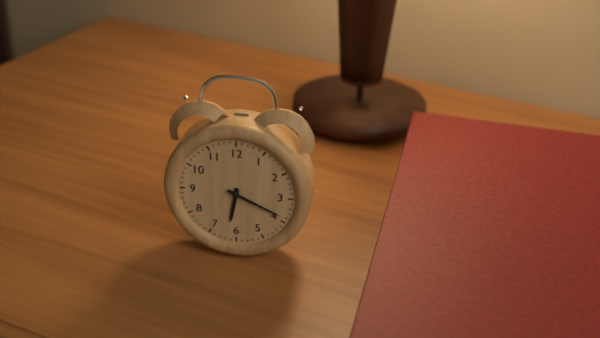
{"hour": 6, "minute": 19}
